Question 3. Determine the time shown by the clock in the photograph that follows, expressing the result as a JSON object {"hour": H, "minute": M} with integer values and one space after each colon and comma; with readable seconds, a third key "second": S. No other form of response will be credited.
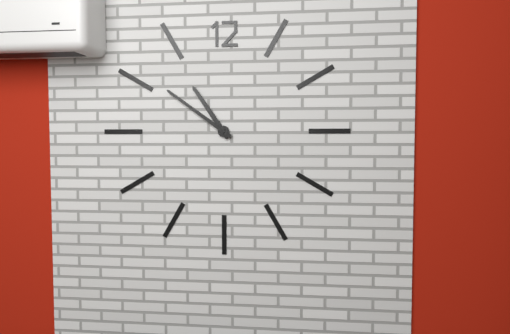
{"hour": 10, "minute": 51}
